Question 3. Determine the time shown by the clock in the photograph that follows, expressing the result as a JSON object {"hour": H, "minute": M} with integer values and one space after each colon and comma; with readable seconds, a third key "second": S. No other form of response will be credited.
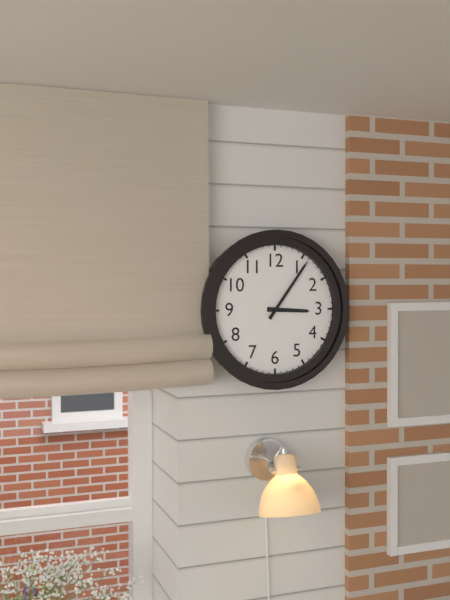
{"hour": 3, "minute": 6}
